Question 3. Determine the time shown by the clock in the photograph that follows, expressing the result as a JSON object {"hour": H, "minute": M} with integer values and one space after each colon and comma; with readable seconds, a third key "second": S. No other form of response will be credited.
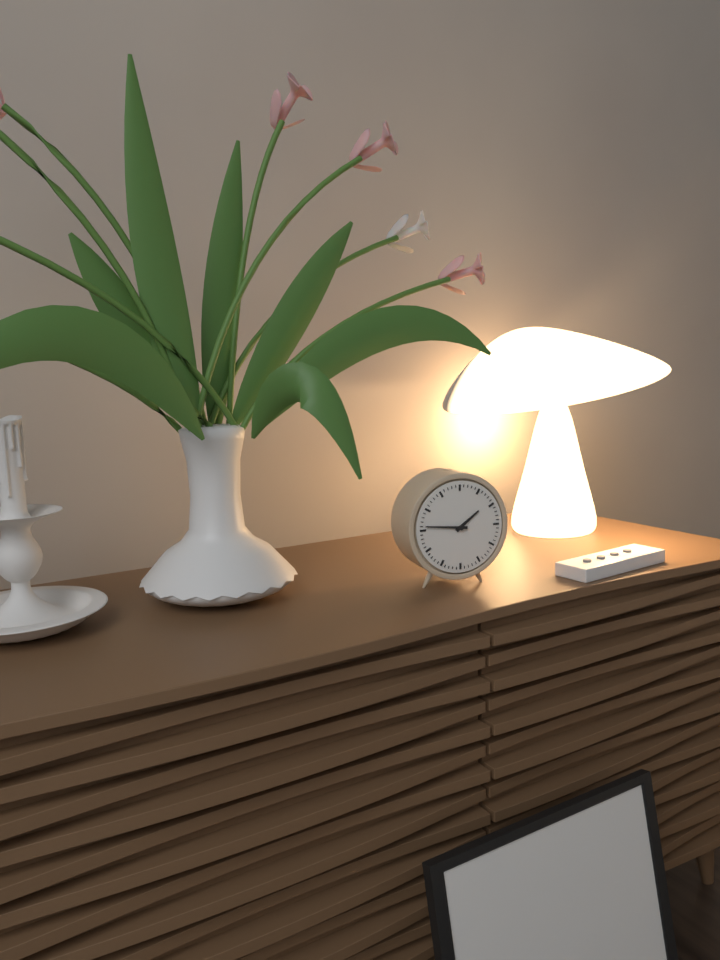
{"hour": 1, "minute": 46}
